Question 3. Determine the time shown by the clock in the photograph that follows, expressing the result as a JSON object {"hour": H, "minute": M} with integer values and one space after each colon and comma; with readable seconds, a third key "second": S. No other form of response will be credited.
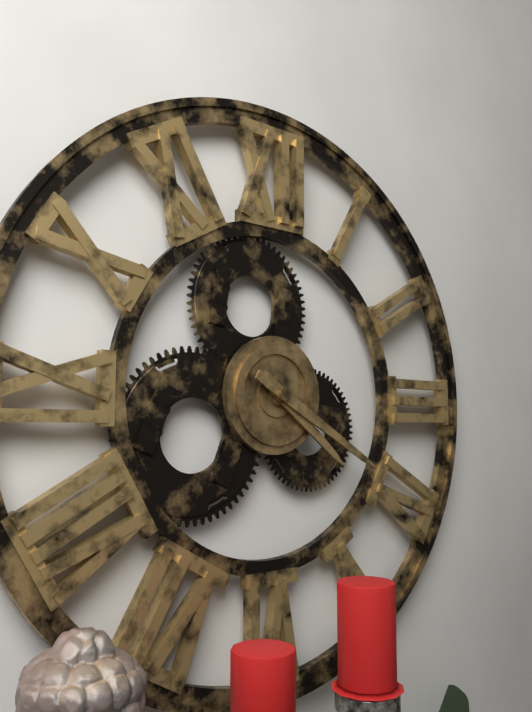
{"hour": 4, "minute": 20}
